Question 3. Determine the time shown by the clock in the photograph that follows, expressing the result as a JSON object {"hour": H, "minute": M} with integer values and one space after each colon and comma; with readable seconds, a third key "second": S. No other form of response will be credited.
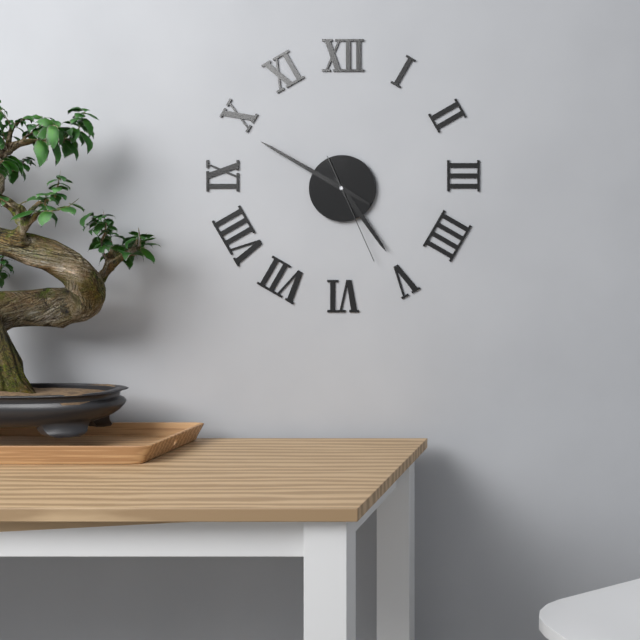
{"hour": 4, "minute": 50, "second": 26}
